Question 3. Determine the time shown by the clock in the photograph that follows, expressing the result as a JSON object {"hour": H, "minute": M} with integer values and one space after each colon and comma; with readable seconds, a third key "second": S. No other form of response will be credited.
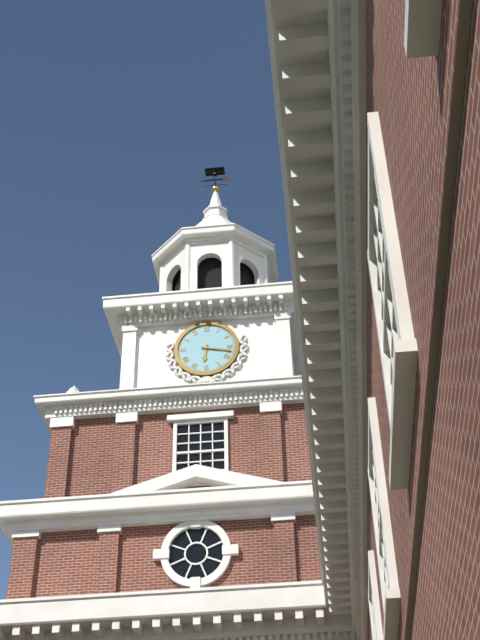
{"hour": 6, "minute": 17}
